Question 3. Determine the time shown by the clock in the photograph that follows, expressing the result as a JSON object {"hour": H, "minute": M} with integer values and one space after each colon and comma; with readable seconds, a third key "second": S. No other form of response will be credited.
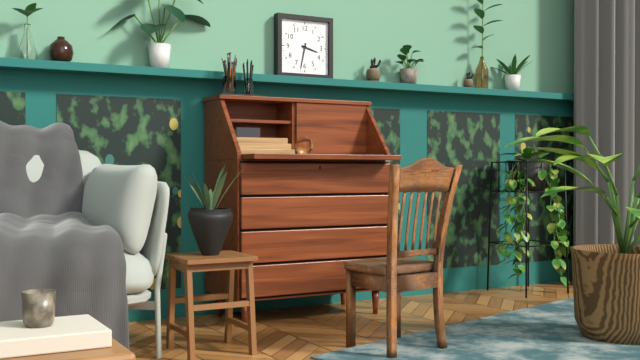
{"hour": 3, "minute": 32}
